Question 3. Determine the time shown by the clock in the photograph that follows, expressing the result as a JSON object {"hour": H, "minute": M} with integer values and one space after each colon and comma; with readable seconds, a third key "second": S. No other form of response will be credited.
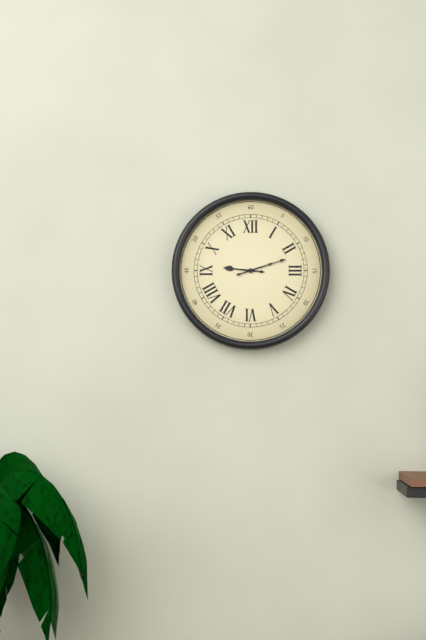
{"hour": 9, "minute": 12}
